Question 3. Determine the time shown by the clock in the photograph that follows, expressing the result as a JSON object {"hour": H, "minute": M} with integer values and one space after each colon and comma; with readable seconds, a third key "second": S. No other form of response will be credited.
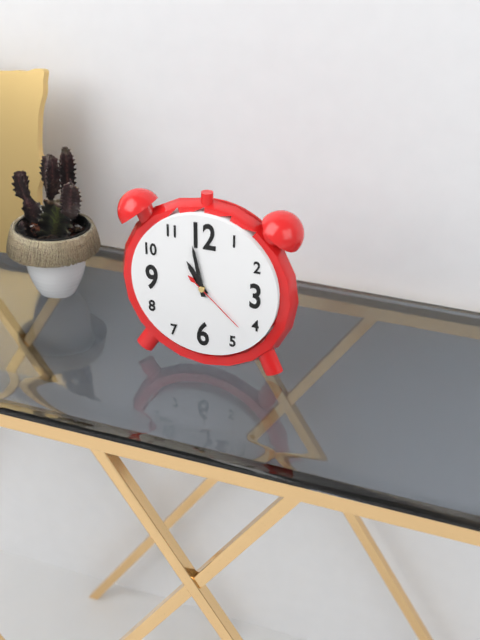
{"hour": 10, "minute": 58, "second": 22}
